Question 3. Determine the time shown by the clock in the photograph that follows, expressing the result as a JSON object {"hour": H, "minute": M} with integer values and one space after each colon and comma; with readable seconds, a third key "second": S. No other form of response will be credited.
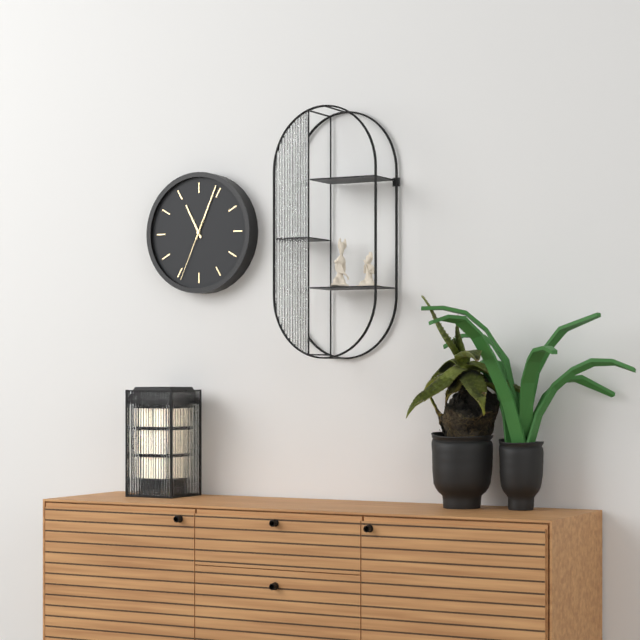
{"hour": 11, "minute": 4, "second": 34}
